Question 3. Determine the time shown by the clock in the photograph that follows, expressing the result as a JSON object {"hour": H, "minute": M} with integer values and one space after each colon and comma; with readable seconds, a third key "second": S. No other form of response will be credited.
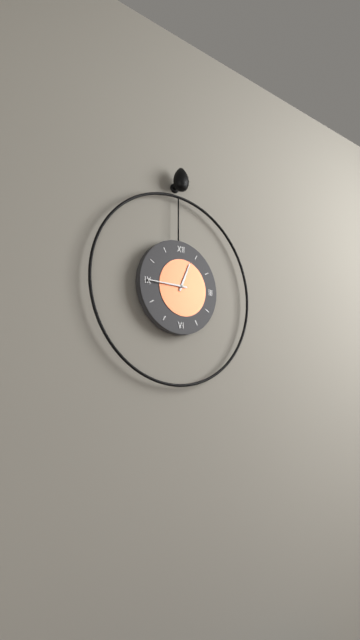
{"hour": 12, "minute": 45}
